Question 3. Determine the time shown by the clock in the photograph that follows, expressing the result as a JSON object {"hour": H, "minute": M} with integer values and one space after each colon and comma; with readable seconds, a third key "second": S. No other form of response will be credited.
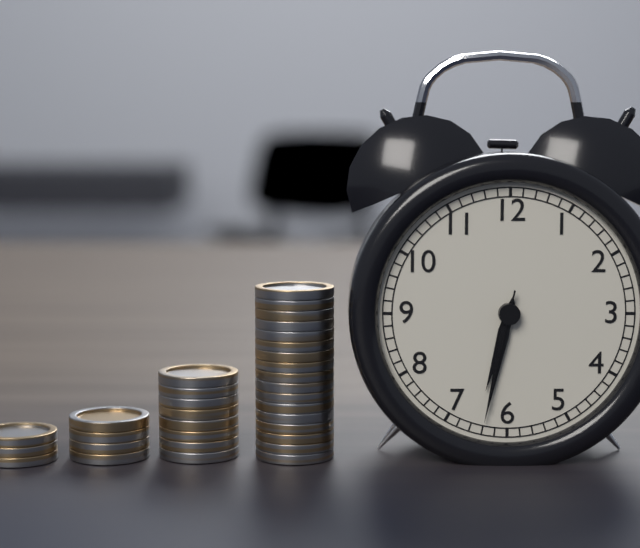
{"hour": 6, "minute": 32, "second": 32}
